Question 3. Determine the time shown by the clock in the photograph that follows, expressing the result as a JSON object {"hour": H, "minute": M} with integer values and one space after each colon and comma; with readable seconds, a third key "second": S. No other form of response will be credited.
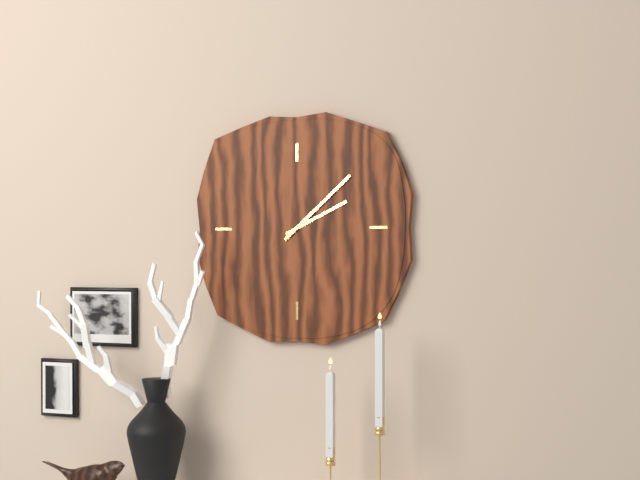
{"hour": 2, "minute": 8}
